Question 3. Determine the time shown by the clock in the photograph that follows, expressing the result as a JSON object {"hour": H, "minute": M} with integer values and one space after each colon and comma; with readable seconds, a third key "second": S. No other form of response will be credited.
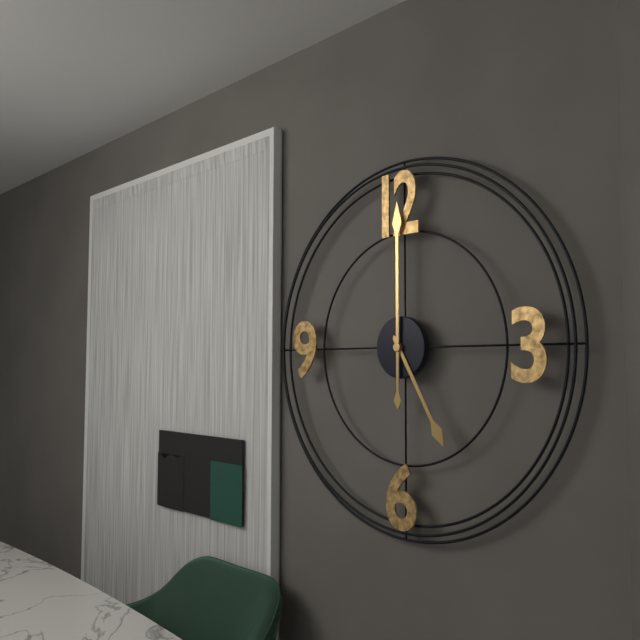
{"hour": 5, "minute": 0}
